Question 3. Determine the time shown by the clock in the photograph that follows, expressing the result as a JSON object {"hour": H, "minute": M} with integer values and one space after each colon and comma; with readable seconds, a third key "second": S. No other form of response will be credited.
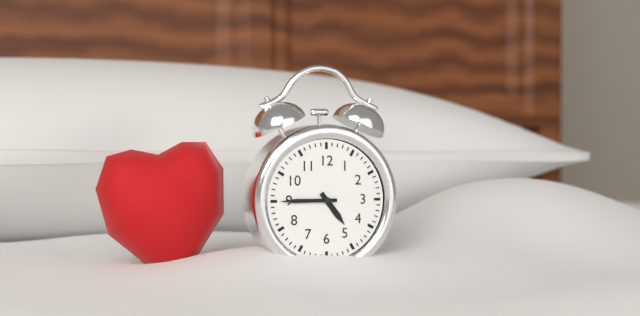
{"hour": 4, "minute": 45}
